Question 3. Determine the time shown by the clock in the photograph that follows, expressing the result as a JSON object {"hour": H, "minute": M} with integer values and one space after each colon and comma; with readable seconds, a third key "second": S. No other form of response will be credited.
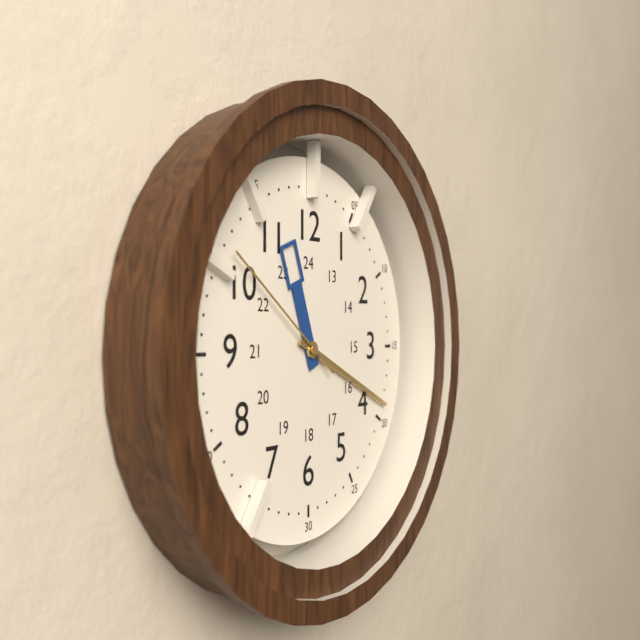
{"hour": 11, "minute": 19, "second": 51}
